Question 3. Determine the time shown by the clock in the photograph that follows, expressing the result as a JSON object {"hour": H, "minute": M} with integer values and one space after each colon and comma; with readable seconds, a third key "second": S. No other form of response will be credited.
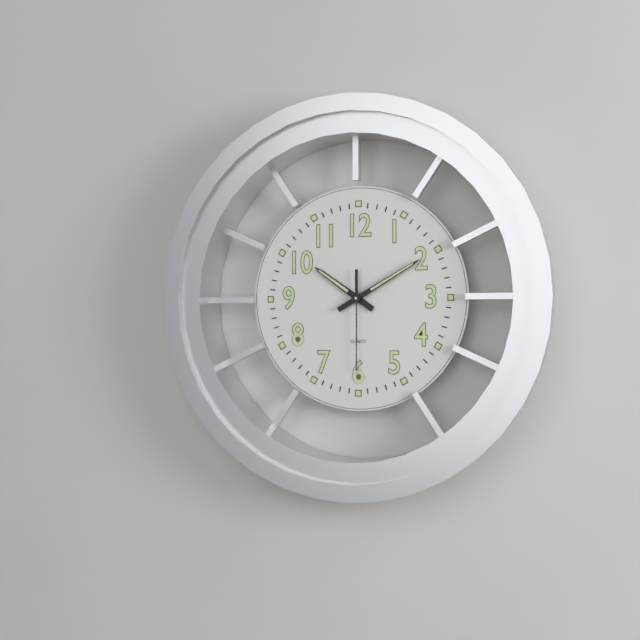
{"hour": 10, "minute": 10, "second": 30}
